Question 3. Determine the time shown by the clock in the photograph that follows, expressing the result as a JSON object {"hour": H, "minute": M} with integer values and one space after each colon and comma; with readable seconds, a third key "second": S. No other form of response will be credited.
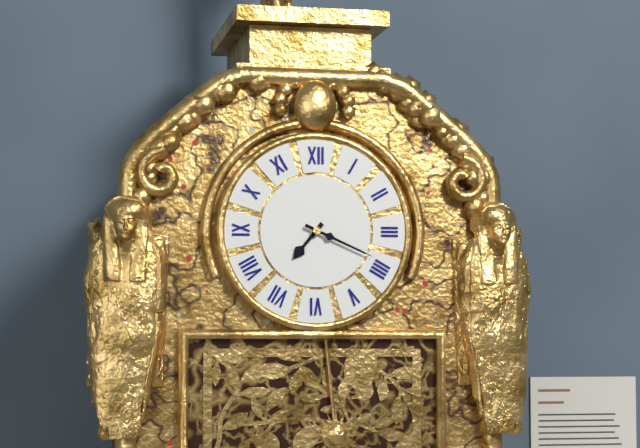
{"hour": 7, "minute": 19}
